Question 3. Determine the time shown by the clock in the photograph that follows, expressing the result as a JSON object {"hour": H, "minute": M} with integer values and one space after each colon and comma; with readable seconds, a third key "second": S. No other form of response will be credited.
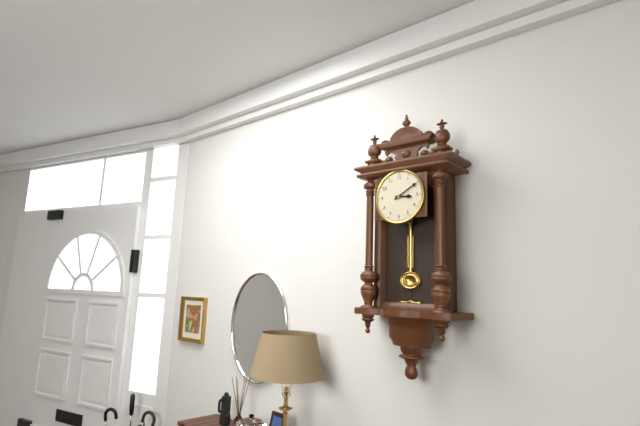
{"hour": 3, "minute": 10}
